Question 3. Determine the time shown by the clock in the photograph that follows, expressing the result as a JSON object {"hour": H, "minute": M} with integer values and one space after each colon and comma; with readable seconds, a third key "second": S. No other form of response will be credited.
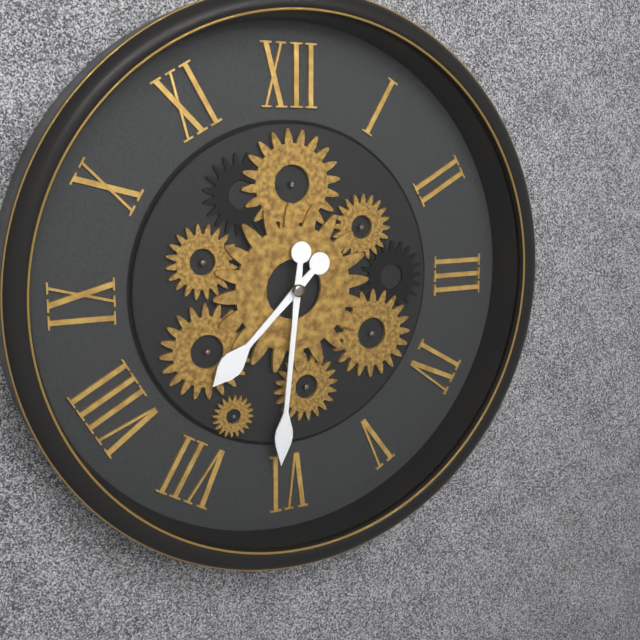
{"hour": 7, "minute": 31}
